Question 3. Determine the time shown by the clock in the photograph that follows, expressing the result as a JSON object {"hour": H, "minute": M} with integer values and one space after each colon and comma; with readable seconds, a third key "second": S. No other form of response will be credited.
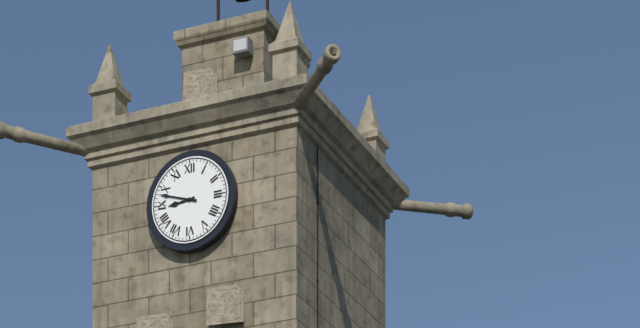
{"hour": 8, "minute": 48}
